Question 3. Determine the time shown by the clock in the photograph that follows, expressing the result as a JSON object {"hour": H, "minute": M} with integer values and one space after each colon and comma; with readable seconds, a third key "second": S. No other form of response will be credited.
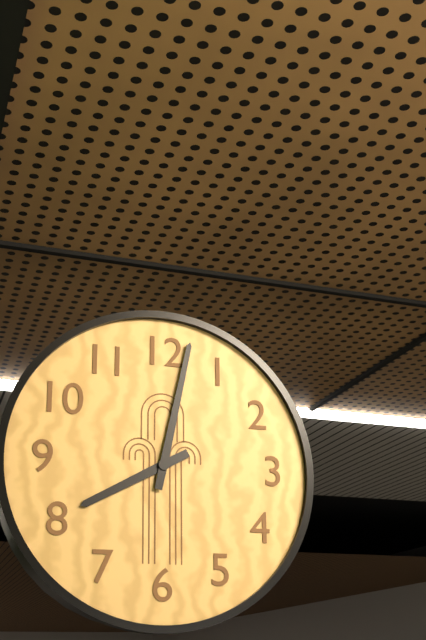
{"hour": 8, "minute": 2}
